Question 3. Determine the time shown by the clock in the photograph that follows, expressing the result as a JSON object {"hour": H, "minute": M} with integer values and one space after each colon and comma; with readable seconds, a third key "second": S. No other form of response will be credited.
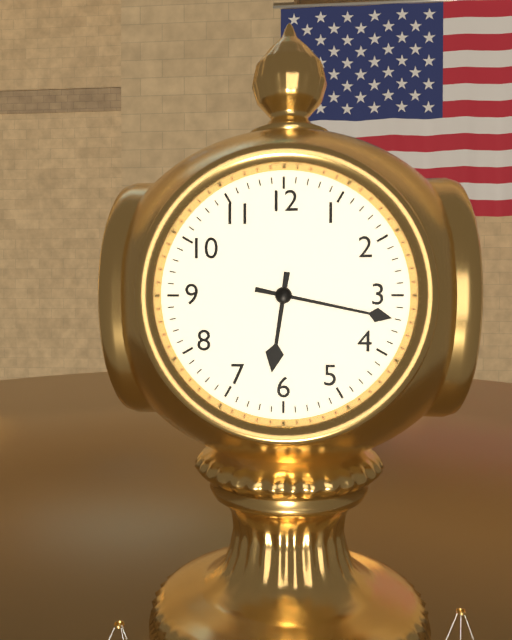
{"hour": 6, "minute": 17}
